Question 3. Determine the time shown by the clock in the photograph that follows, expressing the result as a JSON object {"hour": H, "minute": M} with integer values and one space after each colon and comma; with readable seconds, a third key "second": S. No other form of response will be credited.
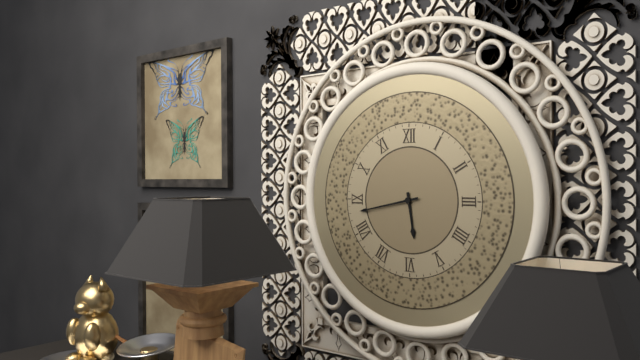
{"hour": 5, "minute": 43}
